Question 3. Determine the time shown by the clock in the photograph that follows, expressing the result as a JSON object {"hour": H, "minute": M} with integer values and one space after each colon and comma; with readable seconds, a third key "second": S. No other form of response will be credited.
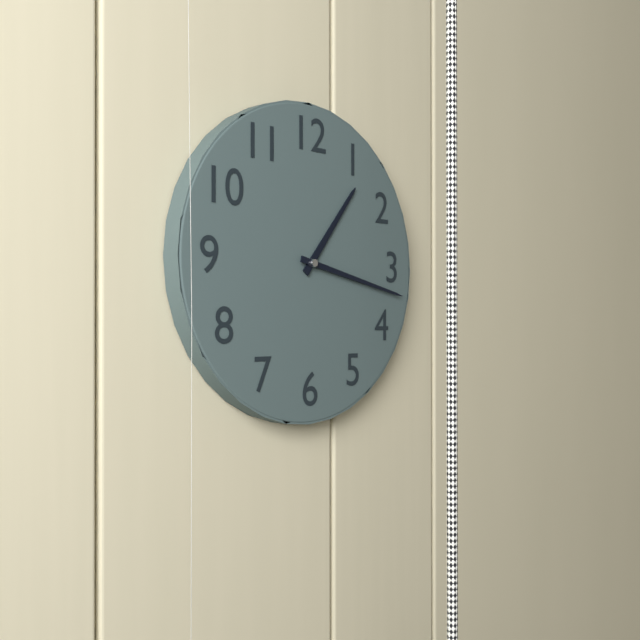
{"hour": 1, "minute": 17}
